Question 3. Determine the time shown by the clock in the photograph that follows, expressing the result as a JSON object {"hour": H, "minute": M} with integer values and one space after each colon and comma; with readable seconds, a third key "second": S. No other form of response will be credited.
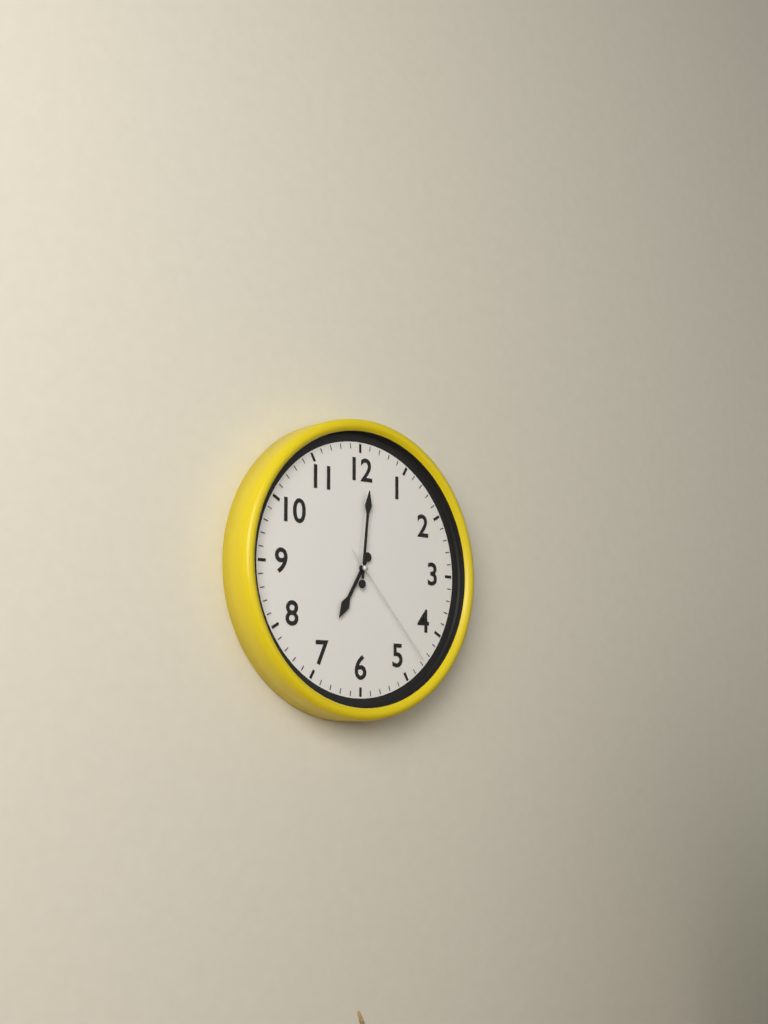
{"hour": 7, "minute": 1, "second": 23}
